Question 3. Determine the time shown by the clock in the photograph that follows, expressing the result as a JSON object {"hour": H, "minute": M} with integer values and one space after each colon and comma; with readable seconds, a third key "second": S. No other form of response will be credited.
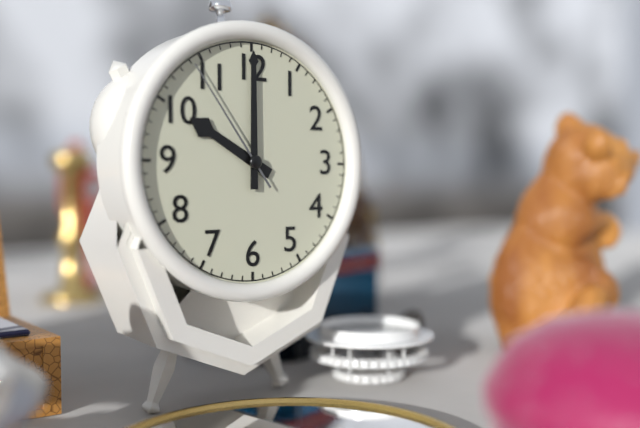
{"hour": 10, "minute": 0, "second": 54}
